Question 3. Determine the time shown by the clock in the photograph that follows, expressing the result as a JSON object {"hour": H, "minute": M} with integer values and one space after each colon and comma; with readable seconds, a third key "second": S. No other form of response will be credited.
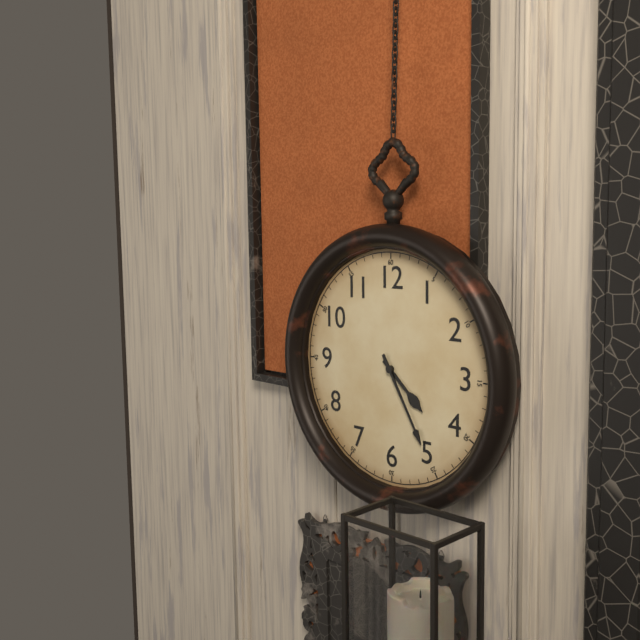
{"hour": 4, "minute": 25}
